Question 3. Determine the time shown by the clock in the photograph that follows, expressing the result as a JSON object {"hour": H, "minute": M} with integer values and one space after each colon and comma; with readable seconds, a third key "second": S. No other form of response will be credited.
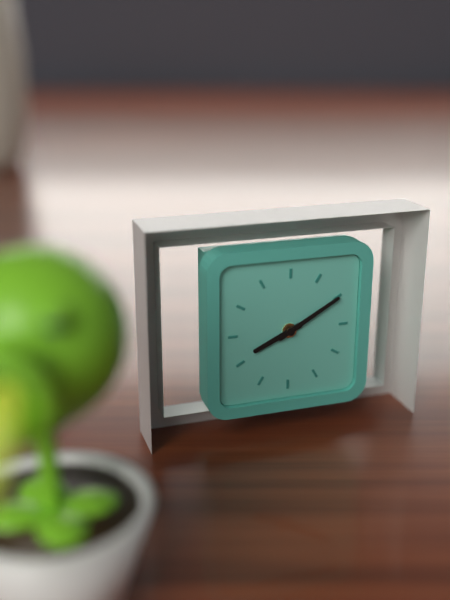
{"hour": 8, "minute": 10}
